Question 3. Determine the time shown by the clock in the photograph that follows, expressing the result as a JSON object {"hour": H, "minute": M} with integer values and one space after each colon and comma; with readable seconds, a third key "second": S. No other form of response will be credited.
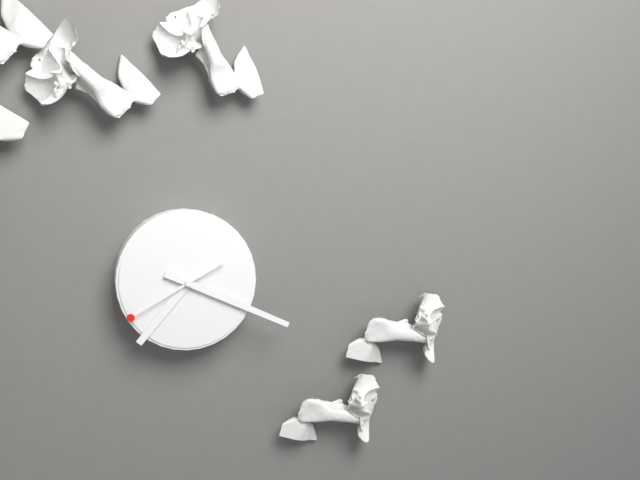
{"hour": 7, "minute": 19, "second": 40}
